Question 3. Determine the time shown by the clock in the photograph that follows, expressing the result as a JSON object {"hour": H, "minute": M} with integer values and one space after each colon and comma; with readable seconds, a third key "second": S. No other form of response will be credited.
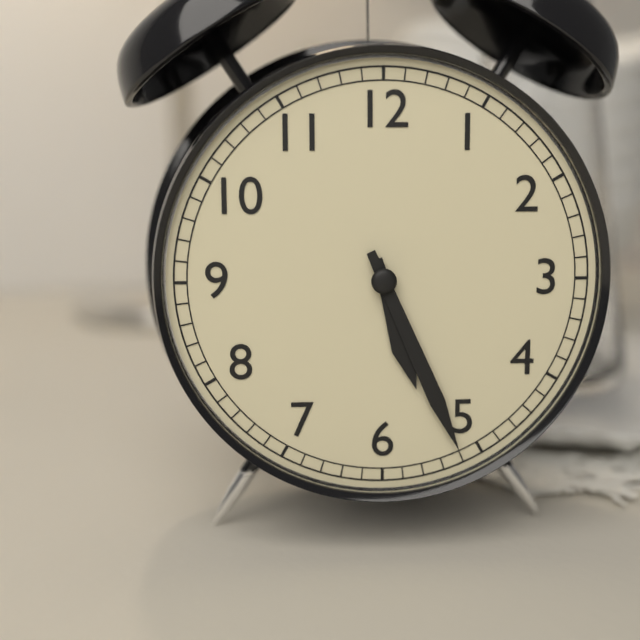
{"hour": 5, "minute": 26}
